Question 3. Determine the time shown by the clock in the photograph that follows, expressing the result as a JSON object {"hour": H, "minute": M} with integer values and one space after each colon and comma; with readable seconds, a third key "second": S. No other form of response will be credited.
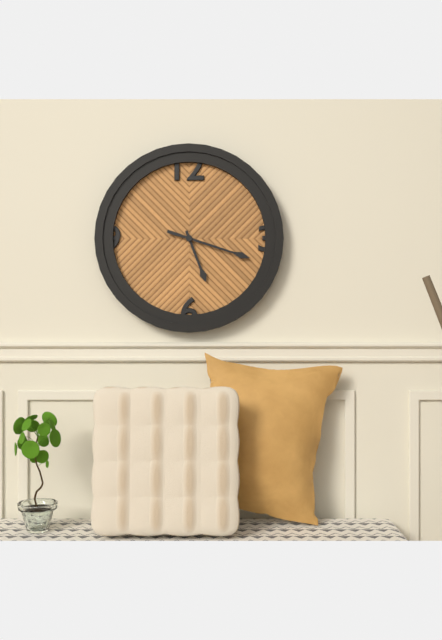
{"hour": 5, "minute": 18}
